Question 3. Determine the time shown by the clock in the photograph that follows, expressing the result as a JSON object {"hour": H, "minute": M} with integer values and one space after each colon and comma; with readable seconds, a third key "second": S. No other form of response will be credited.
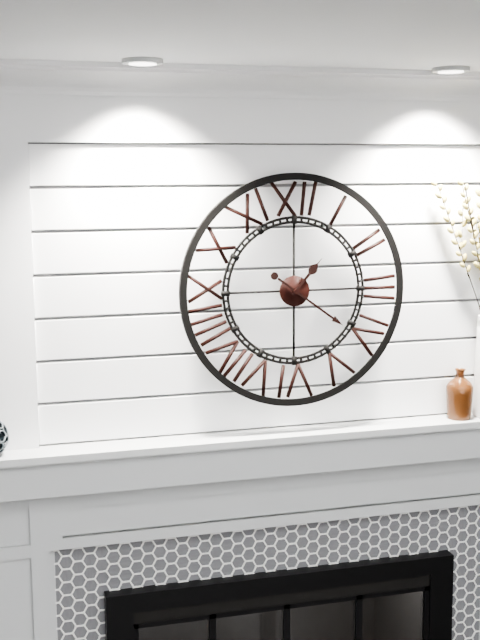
{"hour": 1, "minute": 21}
